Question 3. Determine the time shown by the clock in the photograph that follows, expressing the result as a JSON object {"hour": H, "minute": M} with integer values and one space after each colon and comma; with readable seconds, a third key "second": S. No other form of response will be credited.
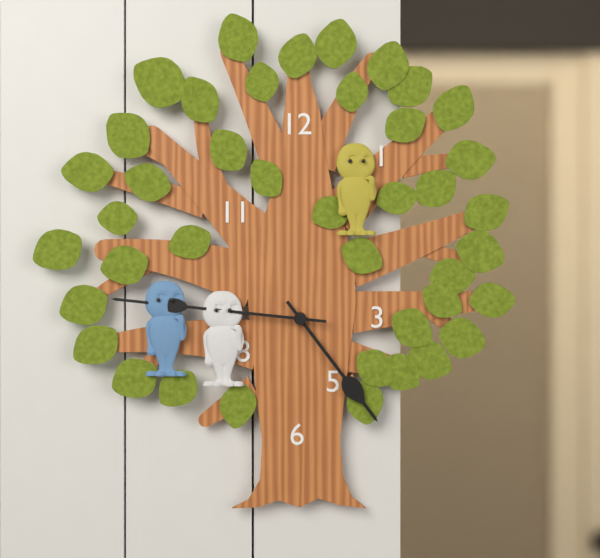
{"hour": 4, "minute": 46}
